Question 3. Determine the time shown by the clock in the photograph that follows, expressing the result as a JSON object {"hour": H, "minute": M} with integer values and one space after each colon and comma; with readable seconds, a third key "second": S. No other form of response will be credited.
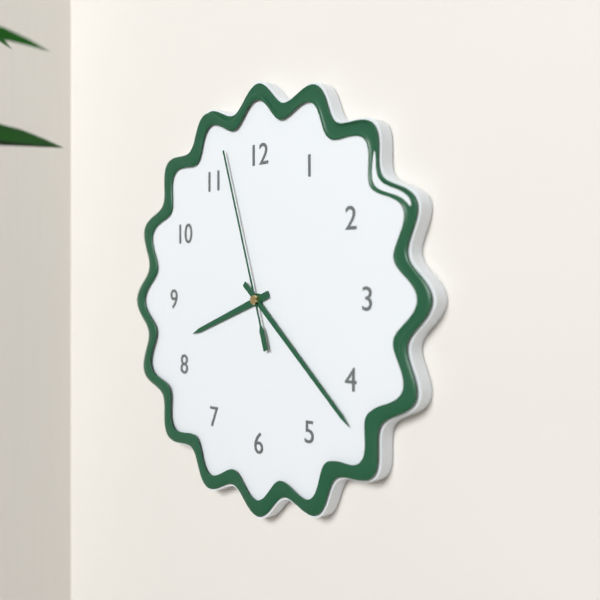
{"hour": 8, "minute": 22, "second": 57}
